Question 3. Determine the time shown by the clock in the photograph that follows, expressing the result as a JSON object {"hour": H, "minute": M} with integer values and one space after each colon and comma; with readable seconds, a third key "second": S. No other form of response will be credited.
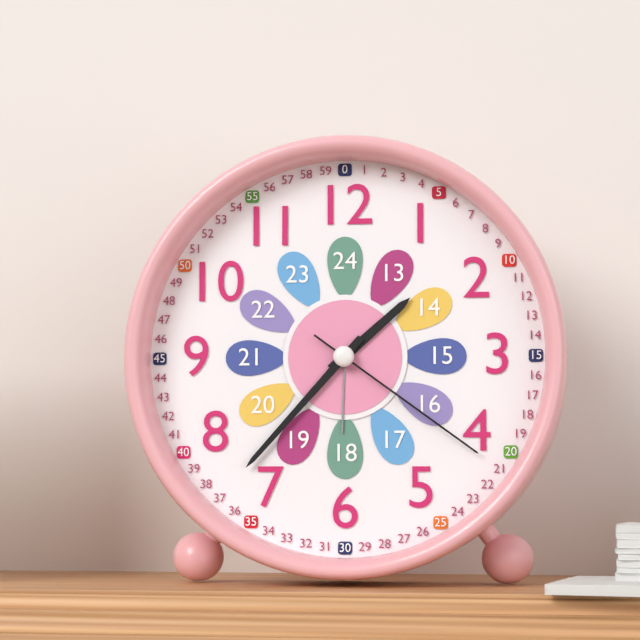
{"hour": 1, "minute": 37, "second": 21}
